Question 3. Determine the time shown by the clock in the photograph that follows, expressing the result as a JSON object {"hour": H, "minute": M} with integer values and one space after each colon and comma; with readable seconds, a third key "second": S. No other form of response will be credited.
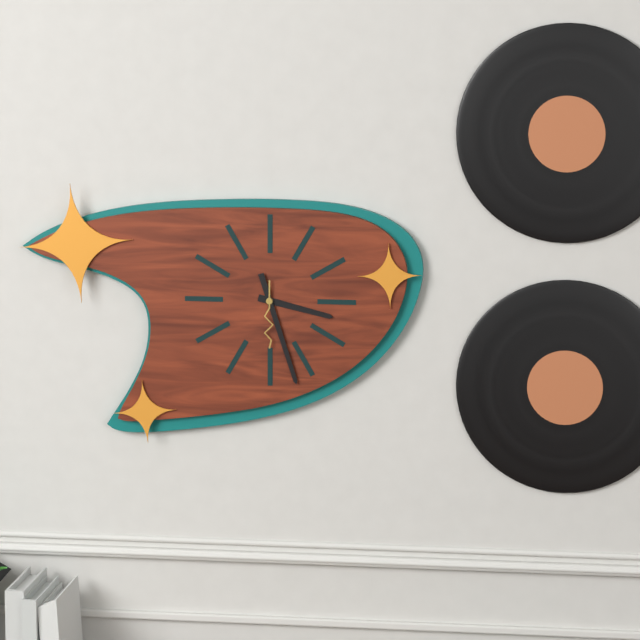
{"hour": 3, "minute": 27, "second": 30}
